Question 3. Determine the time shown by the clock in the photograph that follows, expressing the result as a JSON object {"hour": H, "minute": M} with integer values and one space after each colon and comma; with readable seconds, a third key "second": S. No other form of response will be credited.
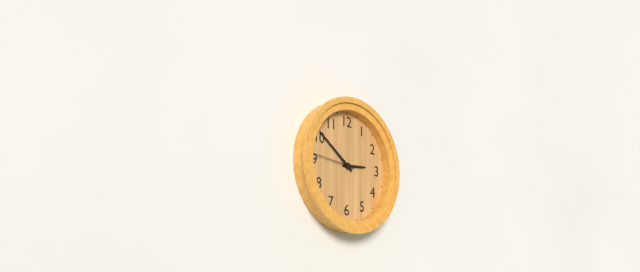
{"hour": 2, "minute": 51}
